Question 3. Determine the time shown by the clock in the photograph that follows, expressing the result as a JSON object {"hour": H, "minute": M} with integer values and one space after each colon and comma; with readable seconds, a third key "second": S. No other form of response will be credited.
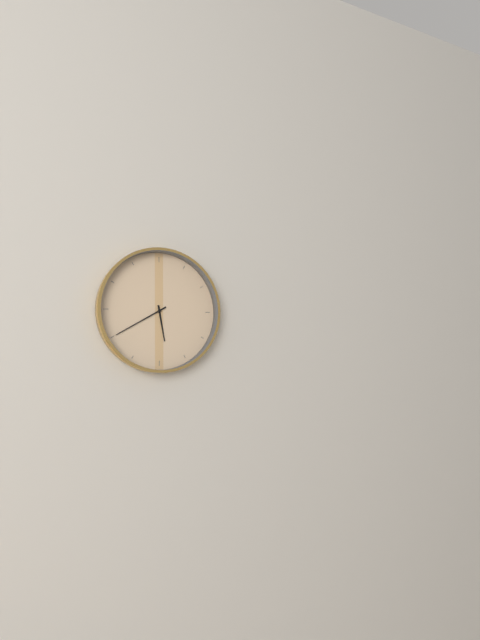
{"hour": 5, "minute": 40}
